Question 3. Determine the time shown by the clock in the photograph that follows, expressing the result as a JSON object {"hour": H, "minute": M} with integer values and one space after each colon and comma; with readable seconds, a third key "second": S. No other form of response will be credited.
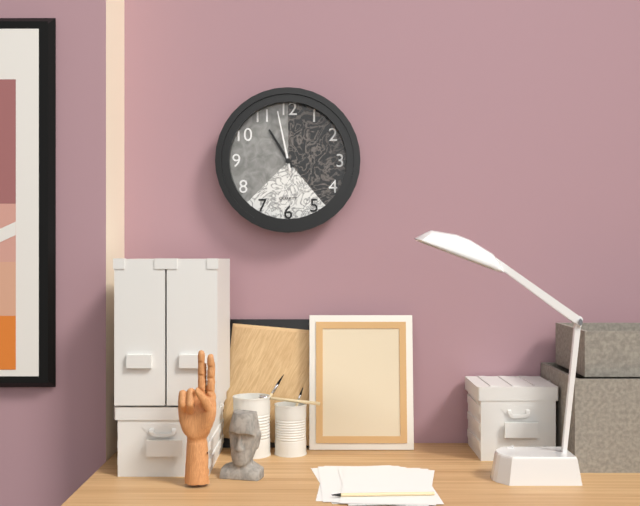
{"hour": 10, "minute": 58}
